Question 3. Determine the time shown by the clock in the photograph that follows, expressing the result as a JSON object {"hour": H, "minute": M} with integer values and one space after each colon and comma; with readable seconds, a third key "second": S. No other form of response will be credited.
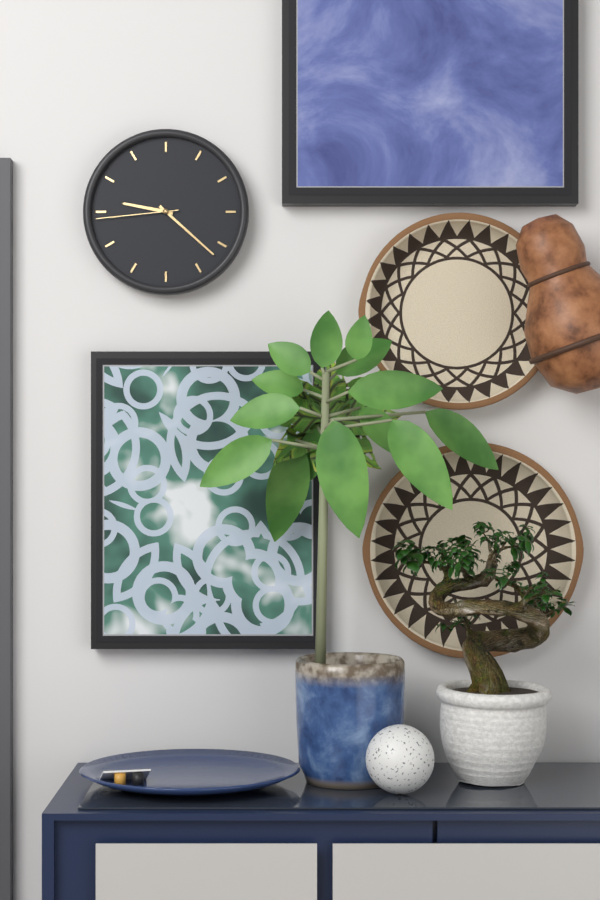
{"hour": 9, "minute": 22, "second": 44}
